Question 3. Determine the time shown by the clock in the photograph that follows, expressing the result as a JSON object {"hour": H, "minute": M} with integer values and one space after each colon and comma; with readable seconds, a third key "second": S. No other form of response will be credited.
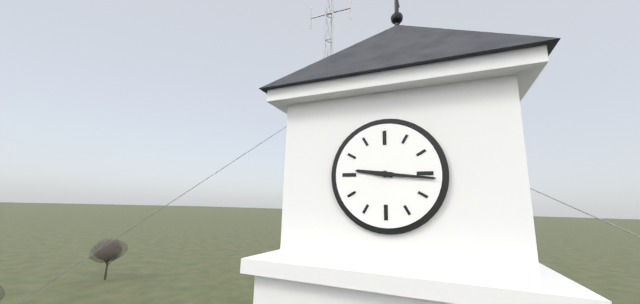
{"hour": 9, "minute": 16}
